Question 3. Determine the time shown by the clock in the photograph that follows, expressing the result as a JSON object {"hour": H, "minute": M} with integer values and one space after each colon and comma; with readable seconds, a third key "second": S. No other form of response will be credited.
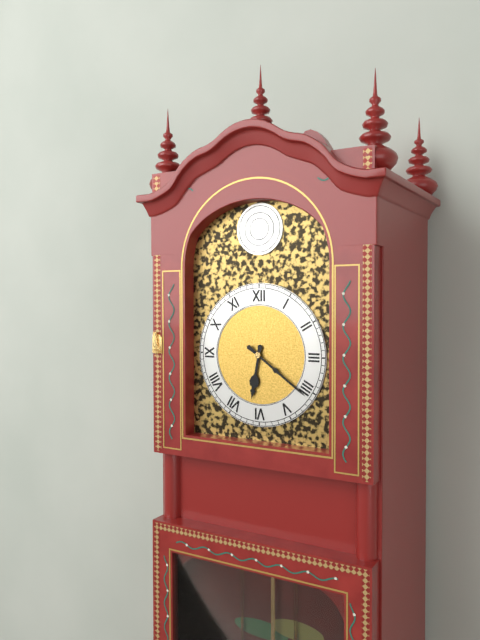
{"hour": 6, "minute": 21}
